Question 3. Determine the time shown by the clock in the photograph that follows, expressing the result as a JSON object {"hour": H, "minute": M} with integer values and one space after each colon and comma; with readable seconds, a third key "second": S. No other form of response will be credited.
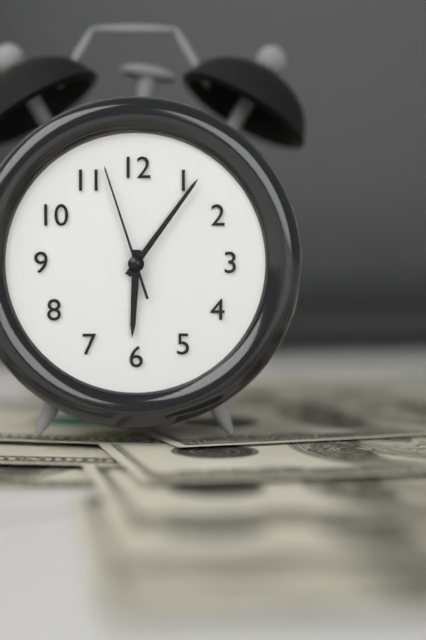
{"hour": 6, "minute": 6, "second": 57}
